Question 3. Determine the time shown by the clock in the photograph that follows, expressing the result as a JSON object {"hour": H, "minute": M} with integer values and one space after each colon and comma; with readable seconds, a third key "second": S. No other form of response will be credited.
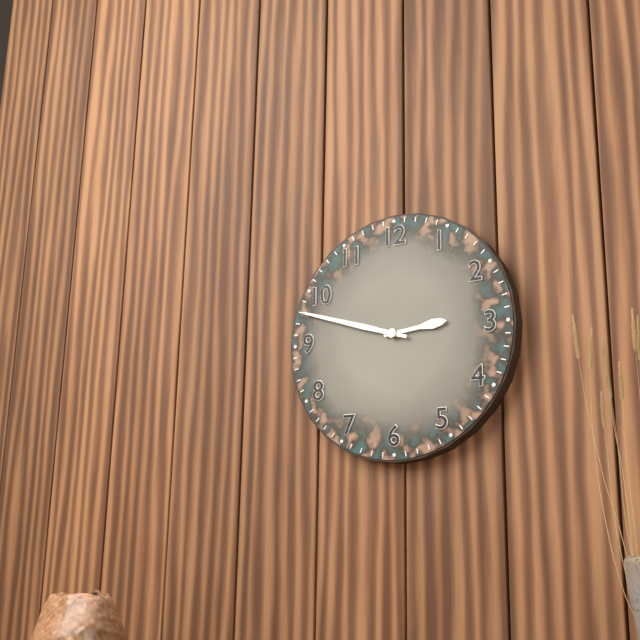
{"hour": 2, "minute": 48}
